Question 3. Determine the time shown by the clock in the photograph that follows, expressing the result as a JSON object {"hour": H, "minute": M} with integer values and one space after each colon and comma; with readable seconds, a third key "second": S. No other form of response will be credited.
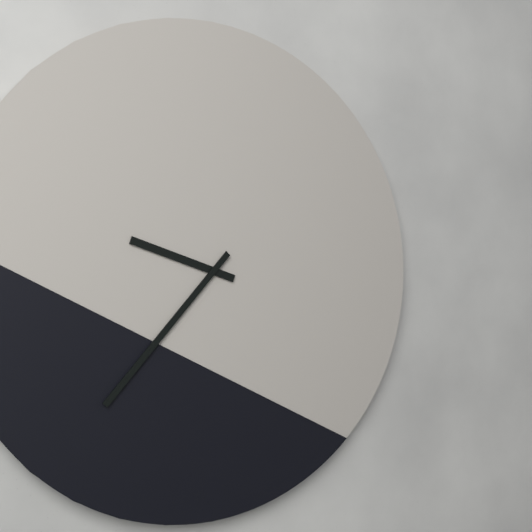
{"hour": 9, "minute": 37}
